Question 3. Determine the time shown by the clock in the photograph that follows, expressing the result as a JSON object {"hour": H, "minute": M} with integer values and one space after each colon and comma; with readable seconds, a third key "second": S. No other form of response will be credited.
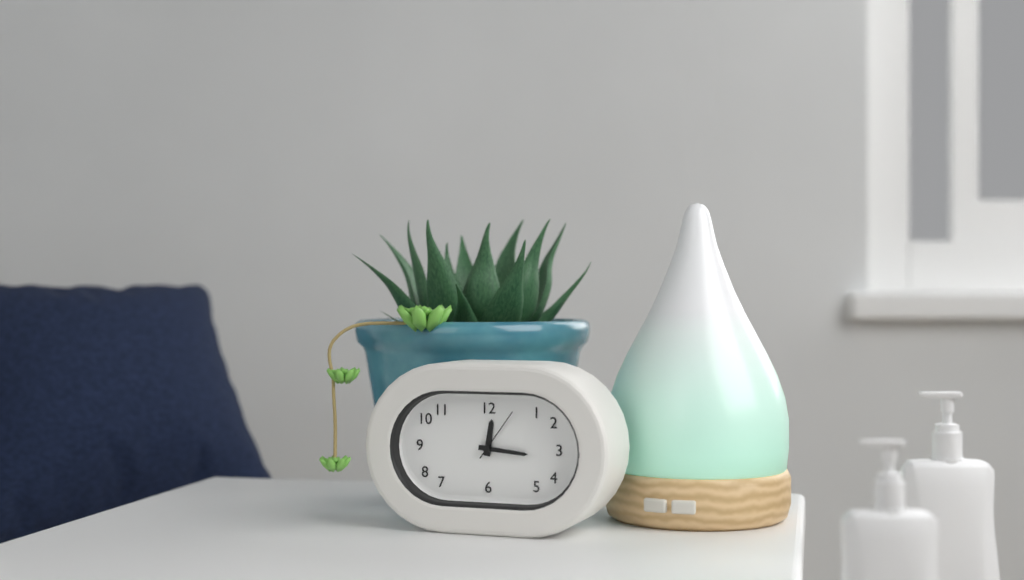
{"hour": 12, "minute": 16}
